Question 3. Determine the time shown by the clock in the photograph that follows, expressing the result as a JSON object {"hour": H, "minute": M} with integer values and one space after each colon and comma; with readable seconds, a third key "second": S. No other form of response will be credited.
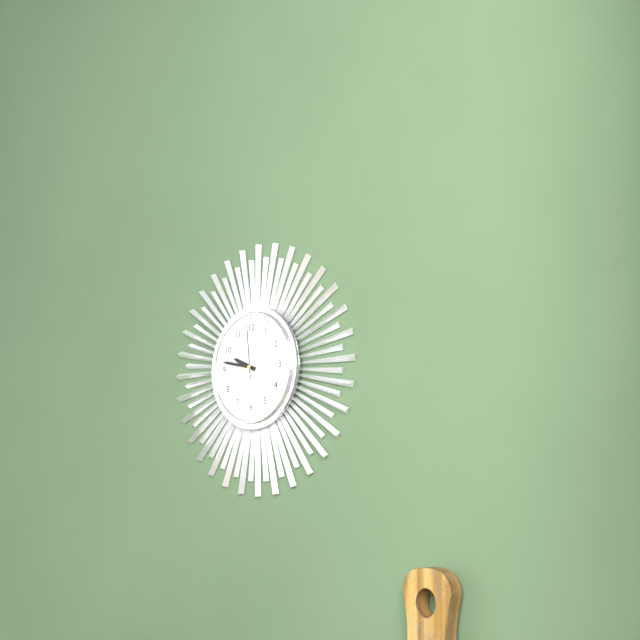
{"hour": 9, "minute": 47, "second": 59}
